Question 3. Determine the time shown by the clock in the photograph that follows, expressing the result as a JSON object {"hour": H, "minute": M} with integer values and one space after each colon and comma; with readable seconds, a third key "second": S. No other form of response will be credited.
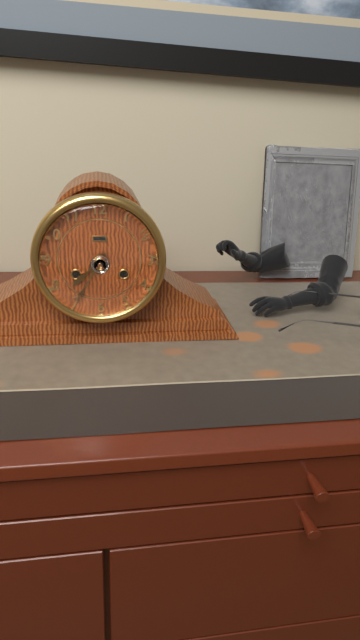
{"hour": 7, "minute": 35}
